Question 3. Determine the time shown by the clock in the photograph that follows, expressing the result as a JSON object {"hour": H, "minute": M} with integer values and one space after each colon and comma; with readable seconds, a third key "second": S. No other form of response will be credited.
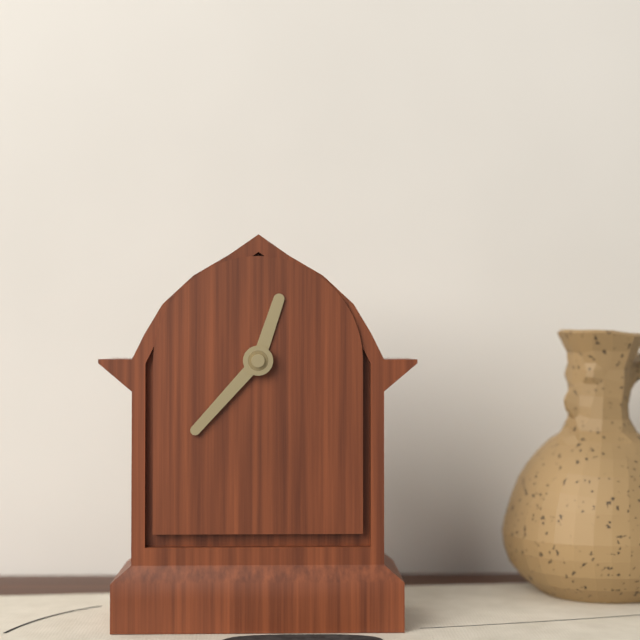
{"hour": 12, "minute": 37}
